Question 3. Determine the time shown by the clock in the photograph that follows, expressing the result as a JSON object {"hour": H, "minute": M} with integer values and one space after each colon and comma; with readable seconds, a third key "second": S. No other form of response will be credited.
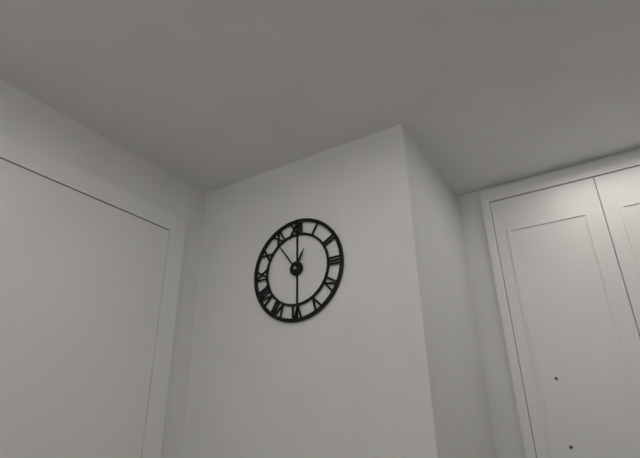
{"hour": 12, "minute": 54}
